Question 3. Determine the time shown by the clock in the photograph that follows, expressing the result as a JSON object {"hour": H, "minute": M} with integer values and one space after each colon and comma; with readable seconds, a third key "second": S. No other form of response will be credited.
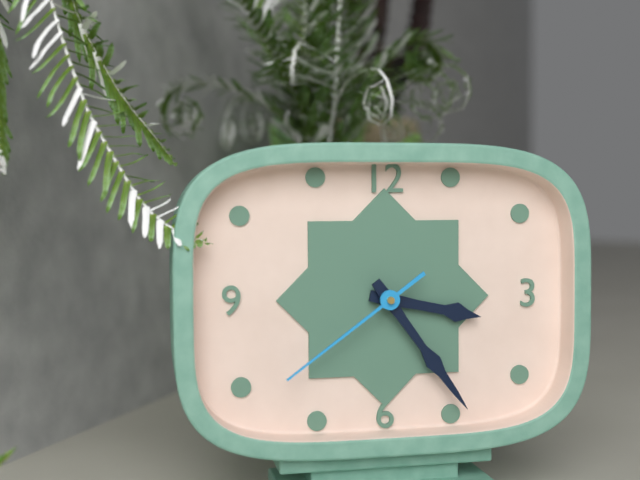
{"hour": 3, "minute": 24, "second": 39}
